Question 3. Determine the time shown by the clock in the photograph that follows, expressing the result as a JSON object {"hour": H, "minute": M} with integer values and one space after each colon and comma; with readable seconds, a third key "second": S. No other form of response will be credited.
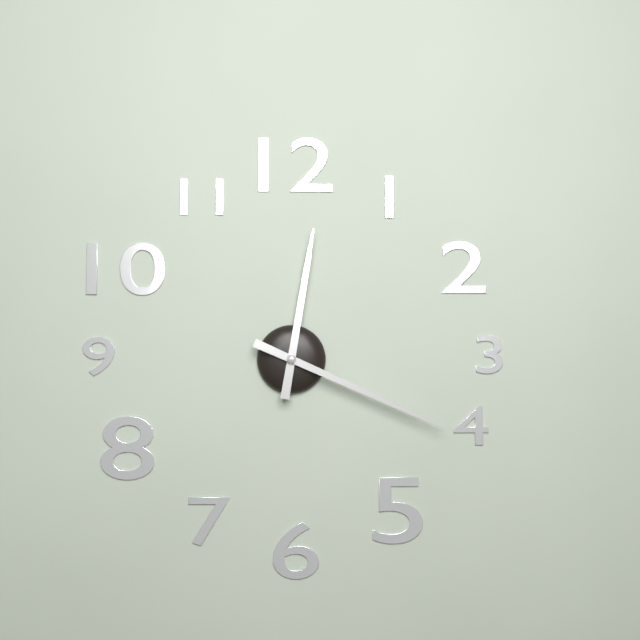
{"hour": 12, "minute": 19}
